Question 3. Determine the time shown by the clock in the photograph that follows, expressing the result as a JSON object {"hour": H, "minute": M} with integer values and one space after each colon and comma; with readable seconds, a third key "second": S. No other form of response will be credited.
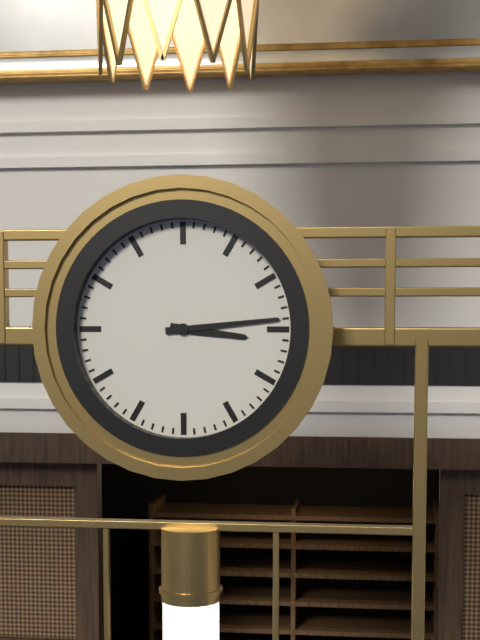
{"hour": 3, "minute": 14}
